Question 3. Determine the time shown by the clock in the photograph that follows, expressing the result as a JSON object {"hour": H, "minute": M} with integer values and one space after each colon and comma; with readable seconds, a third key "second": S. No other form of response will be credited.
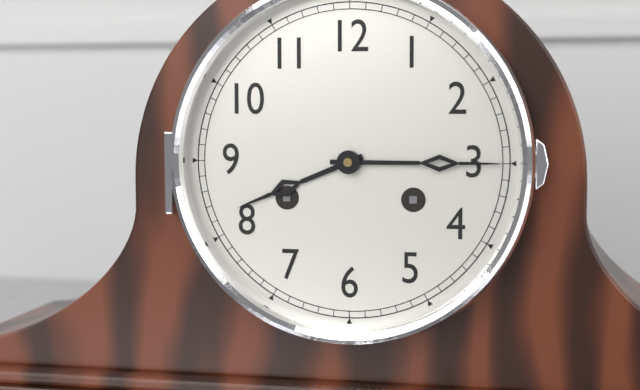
{"hour": 8, "minute": 15}
